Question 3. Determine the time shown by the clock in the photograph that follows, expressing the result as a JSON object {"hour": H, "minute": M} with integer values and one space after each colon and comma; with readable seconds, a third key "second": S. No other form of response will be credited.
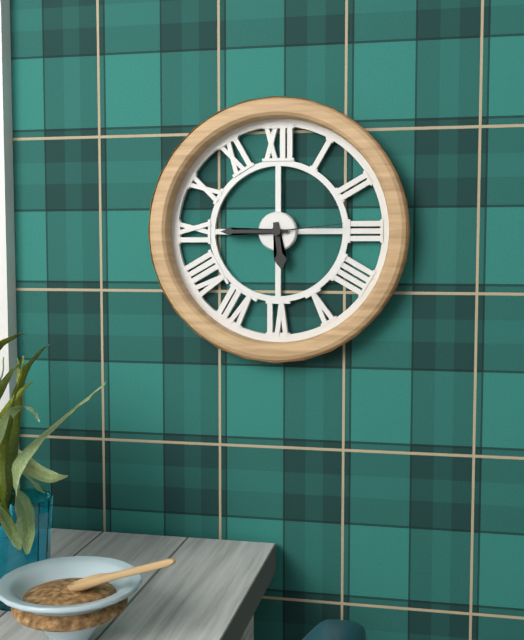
{"hour": 5, "minute": 45, "second": 14}
